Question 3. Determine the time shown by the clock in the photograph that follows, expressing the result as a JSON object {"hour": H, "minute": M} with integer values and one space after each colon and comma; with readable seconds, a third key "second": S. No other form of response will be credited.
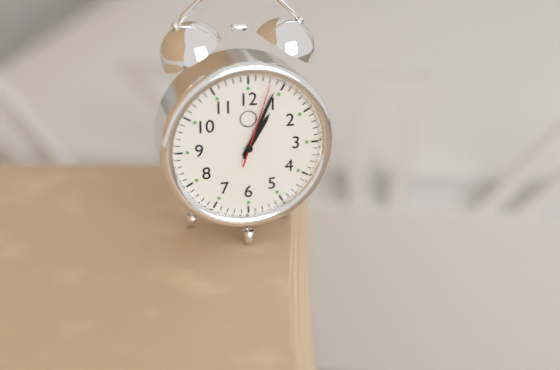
{"hour": 1, "minute": 4, "second": 3}
